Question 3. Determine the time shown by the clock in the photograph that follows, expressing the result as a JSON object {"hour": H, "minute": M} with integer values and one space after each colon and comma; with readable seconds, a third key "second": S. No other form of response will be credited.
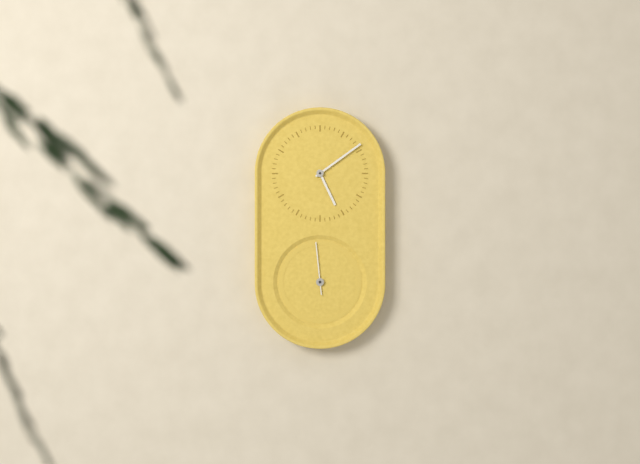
{"hour": 5, "minute": 9, "second": 59}
